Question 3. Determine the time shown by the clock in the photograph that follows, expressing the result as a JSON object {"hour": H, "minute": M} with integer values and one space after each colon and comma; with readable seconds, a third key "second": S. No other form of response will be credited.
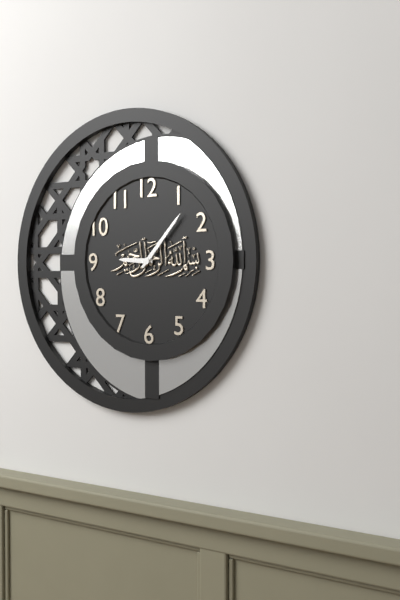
{"hour": 9, "minute": 7}
